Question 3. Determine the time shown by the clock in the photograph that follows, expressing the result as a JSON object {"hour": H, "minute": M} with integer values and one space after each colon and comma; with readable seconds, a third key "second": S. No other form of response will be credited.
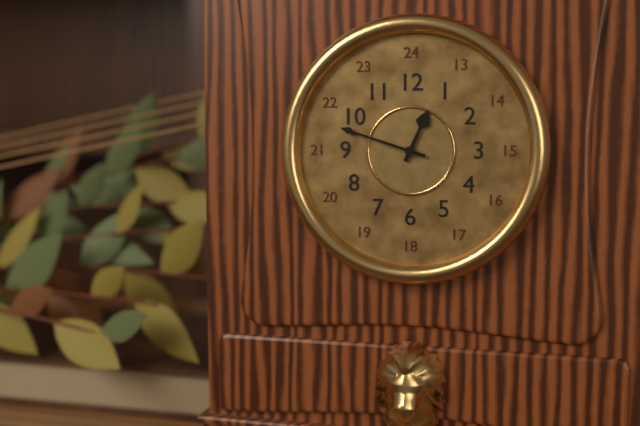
{"hour": 12, "minute": 48}
